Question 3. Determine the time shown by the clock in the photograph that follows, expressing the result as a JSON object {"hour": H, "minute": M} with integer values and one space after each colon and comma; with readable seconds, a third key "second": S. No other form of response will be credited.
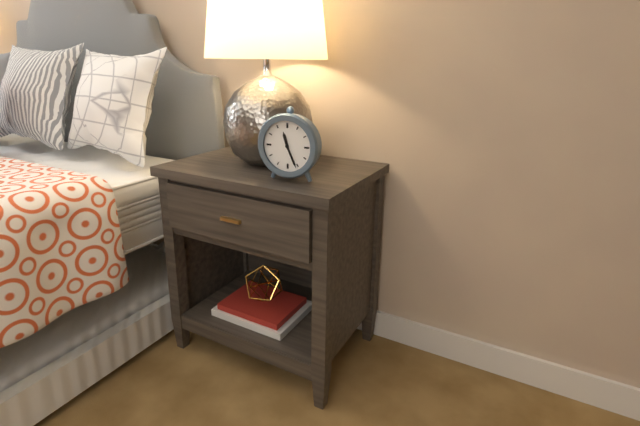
{"hour": 11, "minute": 26}
